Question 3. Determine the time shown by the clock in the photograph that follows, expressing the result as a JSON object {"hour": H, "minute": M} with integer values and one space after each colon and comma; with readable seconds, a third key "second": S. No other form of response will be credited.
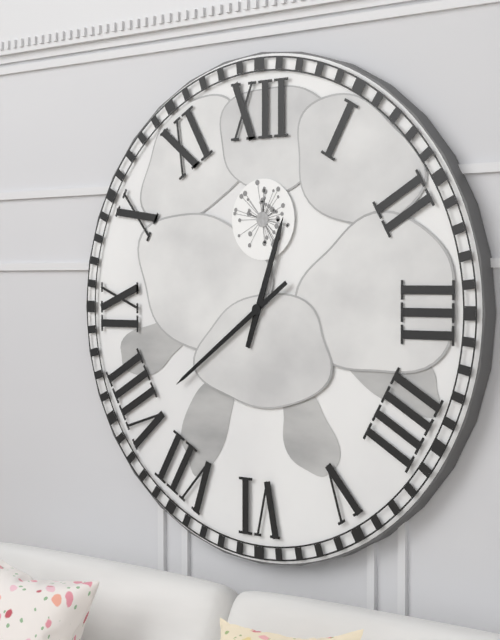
{"hour": 12, "minute": 39}
